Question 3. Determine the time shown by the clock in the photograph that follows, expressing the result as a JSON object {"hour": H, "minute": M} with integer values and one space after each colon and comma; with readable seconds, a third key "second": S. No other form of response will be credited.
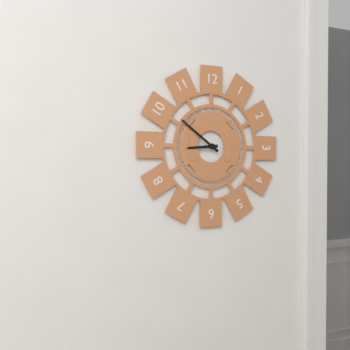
{"hour": 8, "minute": 51}
